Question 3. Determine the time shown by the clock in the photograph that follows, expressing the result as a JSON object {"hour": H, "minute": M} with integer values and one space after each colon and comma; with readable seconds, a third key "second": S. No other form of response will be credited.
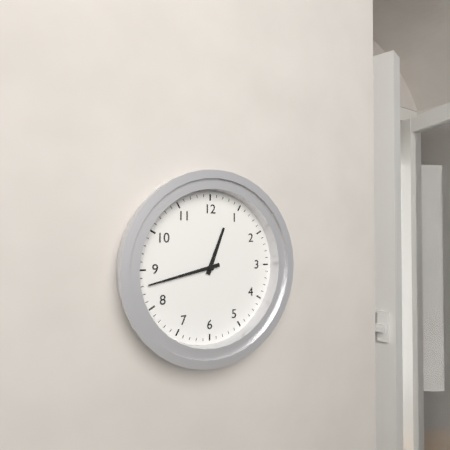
{"hour": 12, "minute": 43}
